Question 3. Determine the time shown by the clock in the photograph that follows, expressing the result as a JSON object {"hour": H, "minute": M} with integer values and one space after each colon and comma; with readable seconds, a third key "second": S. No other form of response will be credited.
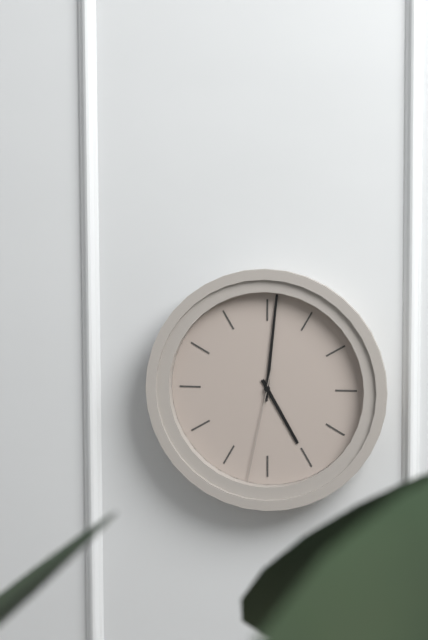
{"hour": 5, "minute": 1, "second": 32}
